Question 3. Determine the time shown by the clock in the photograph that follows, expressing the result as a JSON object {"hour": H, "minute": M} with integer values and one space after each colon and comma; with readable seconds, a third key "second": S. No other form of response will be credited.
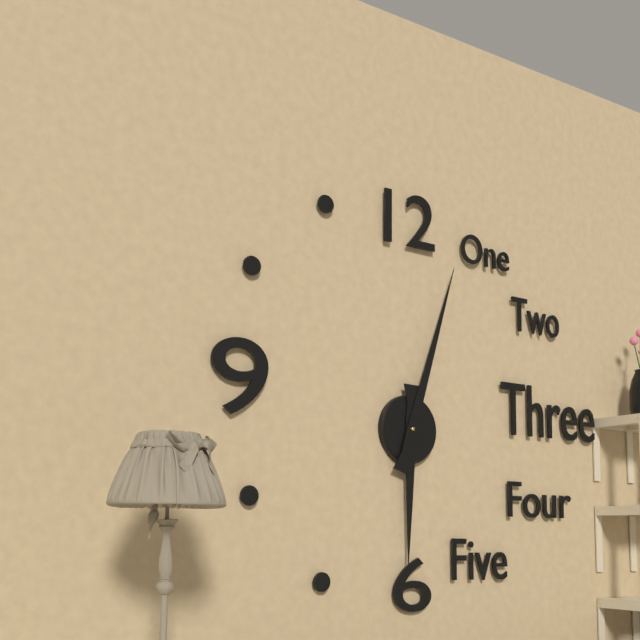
{"hour": 6, "minute": 3}
